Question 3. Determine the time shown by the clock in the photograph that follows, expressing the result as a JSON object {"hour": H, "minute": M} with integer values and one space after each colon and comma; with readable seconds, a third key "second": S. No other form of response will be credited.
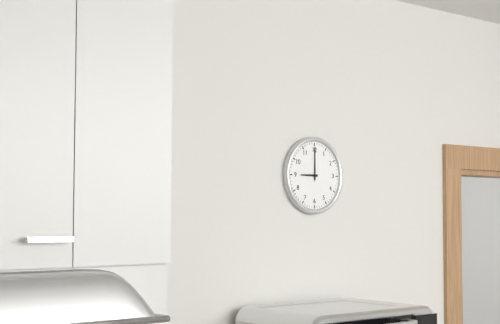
{"hour": 9, "minute": 0}
